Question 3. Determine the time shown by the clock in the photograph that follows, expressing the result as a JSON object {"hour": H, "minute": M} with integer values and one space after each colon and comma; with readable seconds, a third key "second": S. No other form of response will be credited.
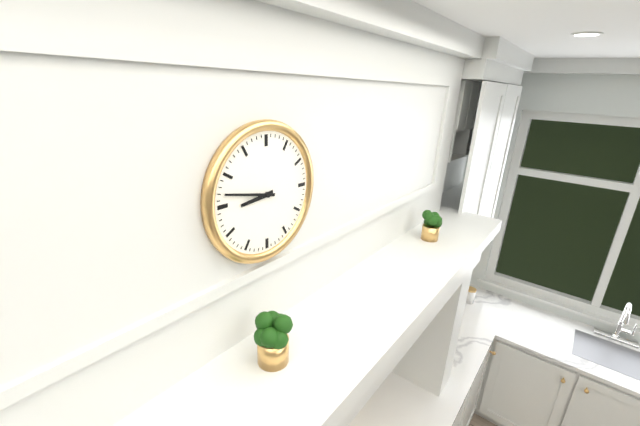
{"hour": 8, "minute": 47}
